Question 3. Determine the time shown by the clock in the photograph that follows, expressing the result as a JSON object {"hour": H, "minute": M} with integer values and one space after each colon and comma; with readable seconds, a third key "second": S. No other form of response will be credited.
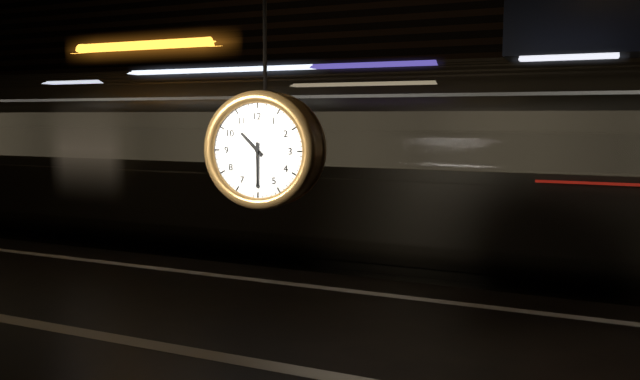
{"hour": 10, "minute": 30}
